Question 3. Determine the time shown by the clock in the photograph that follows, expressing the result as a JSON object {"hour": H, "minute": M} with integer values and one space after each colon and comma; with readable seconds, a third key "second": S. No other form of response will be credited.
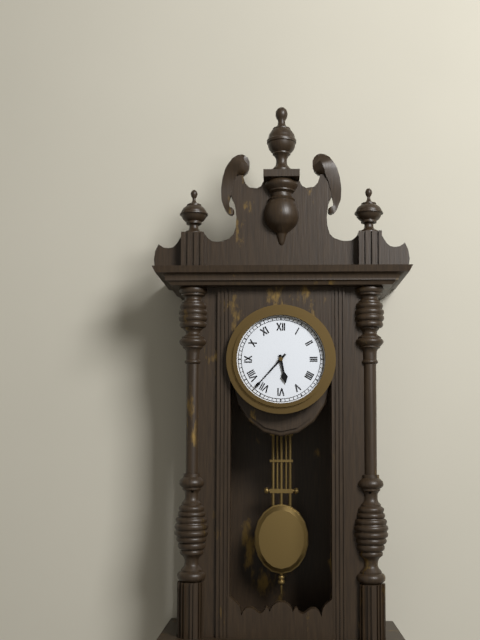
{"hour": 5, "minute": 37}
